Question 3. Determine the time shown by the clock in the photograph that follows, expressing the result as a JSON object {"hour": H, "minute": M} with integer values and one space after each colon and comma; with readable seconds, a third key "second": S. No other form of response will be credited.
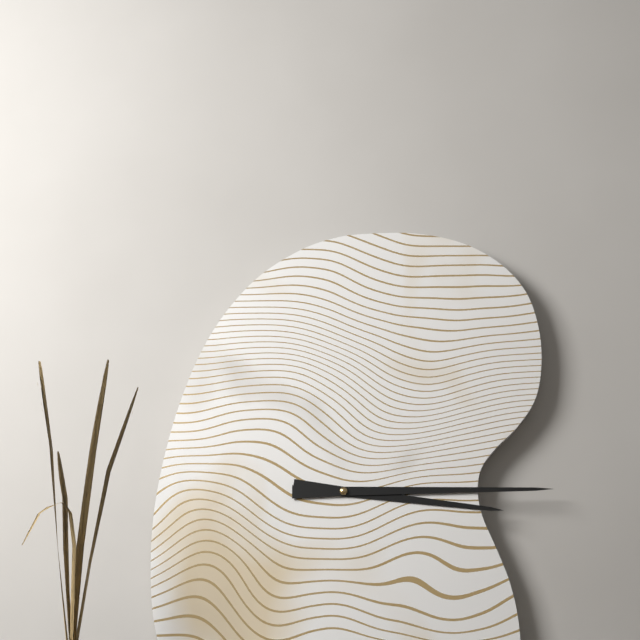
{"hour": 3, "minute": 15}
